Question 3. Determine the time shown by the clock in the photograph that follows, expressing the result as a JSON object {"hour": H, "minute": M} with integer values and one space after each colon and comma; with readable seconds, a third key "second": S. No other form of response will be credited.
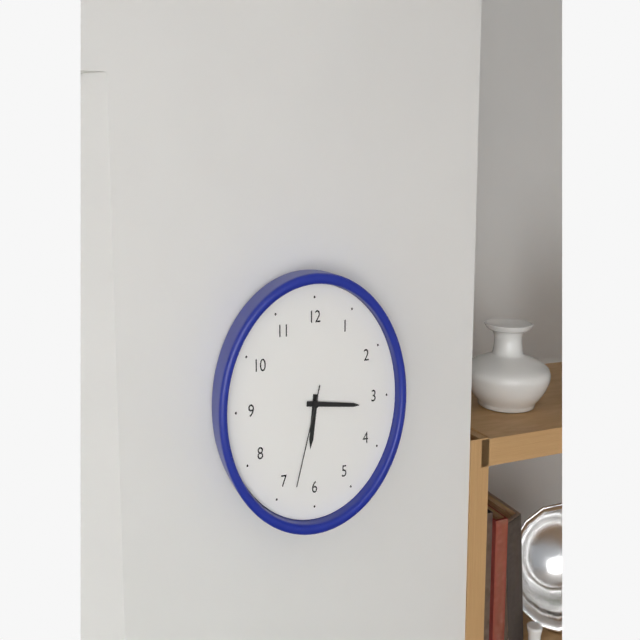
{"hour": 6, "minute": 16, "second": 33}
